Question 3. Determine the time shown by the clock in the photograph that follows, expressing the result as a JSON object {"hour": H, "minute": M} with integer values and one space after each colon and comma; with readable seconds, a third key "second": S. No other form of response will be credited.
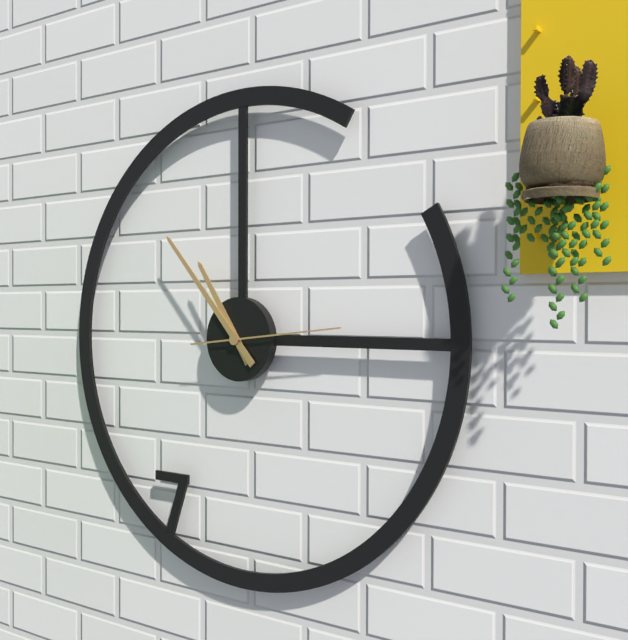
{"hour": 10, "minute": 53, "second": 14}
